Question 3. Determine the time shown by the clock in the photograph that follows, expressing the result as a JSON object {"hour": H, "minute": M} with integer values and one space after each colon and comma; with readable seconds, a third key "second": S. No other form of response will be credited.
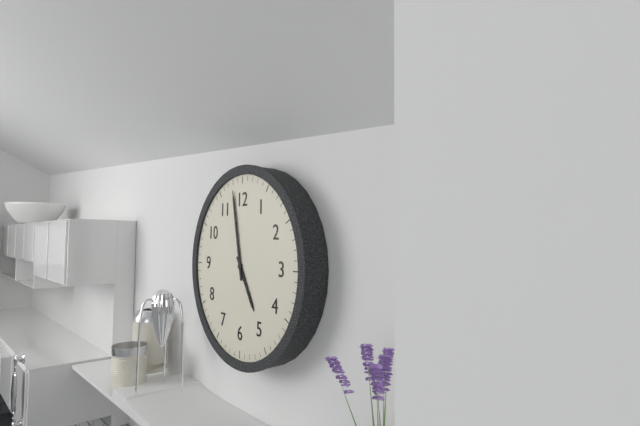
{"hour": 4, "minute": 58}
